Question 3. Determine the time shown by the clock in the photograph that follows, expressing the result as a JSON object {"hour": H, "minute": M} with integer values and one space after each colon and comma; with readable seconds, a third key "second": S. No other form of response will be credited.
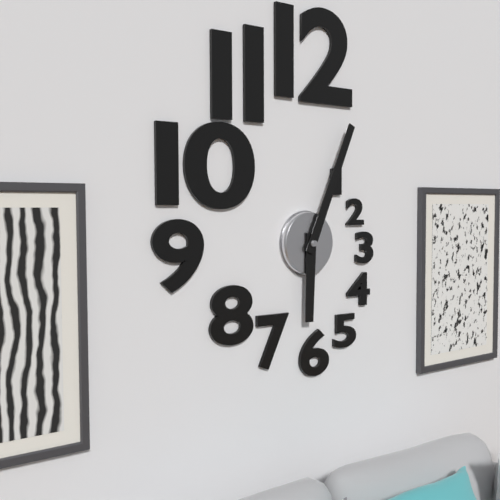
{"hour": 6, "minute": 4}
